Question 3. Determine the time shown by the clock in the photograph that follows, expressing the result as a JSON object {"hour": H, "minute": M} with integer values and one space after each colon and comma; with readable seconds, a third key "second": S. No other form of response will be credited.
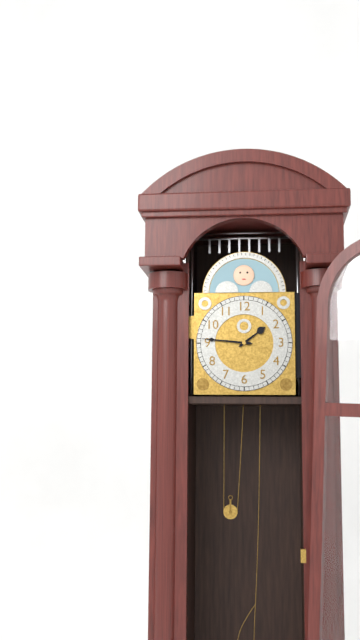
{"hour": 1, "minute": 46}
